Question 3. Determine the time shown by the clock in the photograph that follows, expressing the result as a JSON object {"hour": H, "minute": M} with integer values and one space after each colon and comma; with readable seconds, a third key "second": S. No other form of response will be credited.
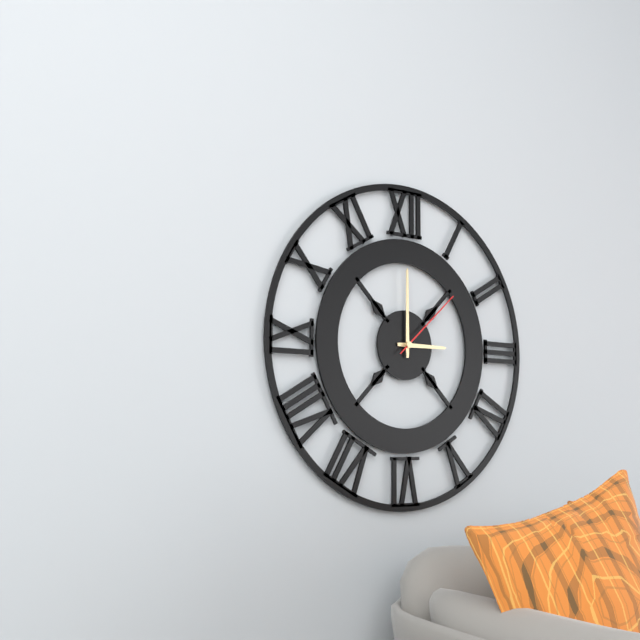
{"hour": 3, "minute": 0, "second": 8}
